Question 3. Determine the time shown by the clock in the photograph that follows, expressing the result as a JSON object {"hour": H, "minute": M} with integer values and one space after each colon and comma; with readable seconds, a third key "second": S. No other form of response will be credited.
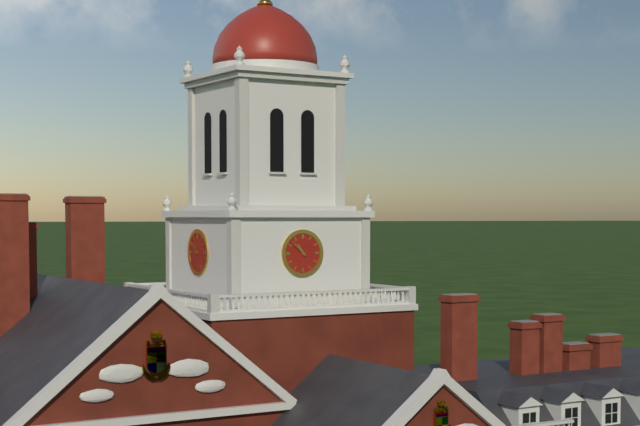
{"hour": 10, "minute": 52}
